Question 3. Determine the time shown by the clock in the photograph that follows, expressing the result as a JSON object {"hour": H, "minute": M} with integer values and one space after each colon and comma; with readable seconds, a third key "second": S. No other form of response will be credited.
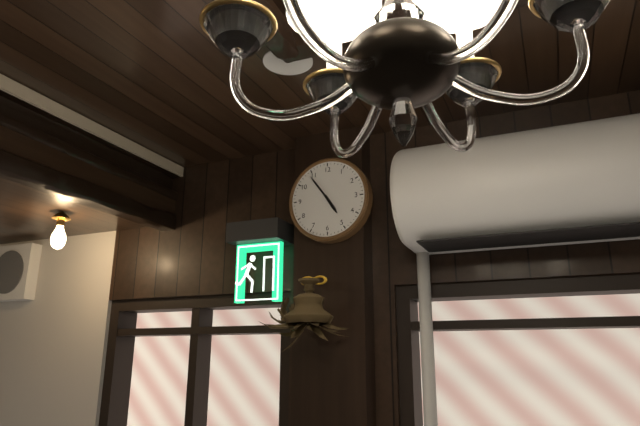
{"hour": 4, "minute": 54}
